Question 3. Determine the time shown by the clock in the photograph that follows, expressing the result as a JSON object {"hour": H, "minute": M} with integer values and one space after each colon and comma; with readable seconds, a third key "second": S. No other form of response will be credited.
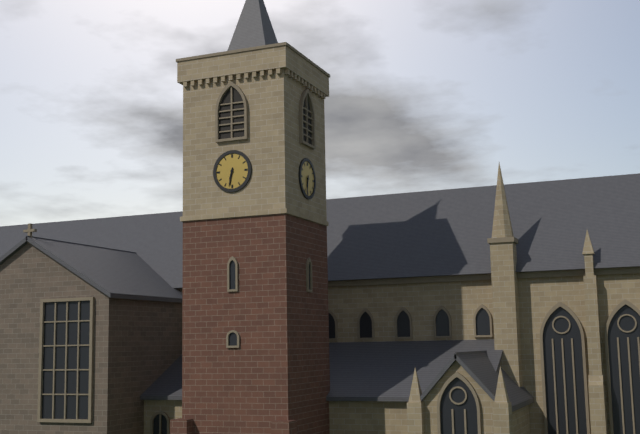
{"hour": 6, "minute": 32}
